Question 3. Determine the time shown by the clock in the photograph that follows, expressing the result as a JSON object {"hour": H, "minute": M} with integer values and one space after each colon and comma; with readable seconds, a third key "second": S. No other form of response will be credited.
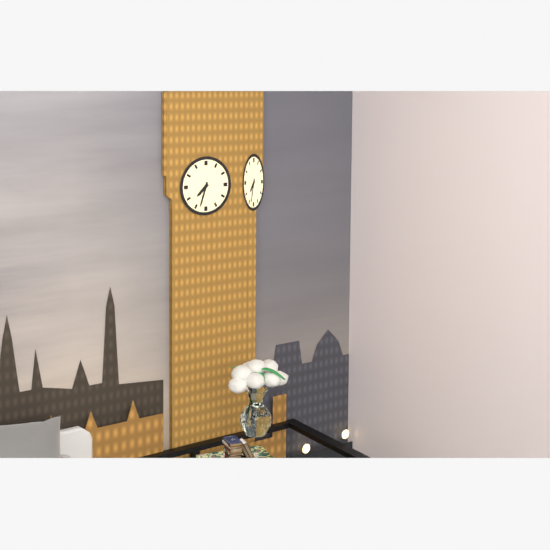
{"hour": 7, "minute": 33}
